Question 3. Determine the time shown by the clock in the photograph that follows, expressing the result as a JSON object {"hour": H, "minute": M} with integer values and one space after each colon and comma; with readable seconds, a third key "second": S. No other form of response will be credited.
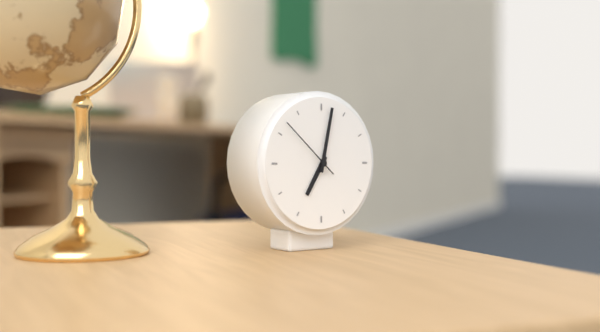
{"hour": 7, "minute": 2, "second": 52}
